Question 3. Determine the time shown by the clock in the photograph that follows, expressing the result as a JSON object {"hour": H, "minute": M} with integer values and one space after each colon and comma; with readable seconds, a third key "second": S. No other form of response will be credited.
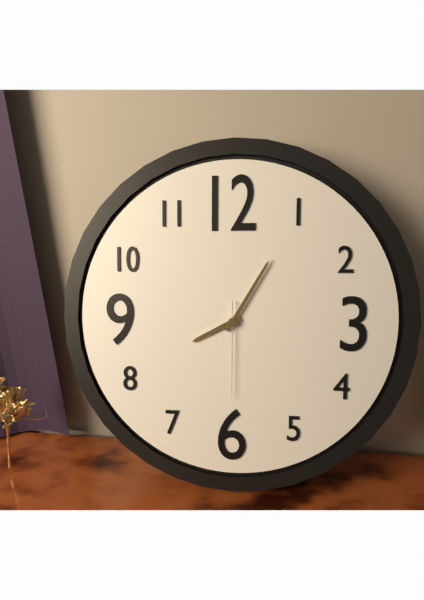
{"hour": 8, "minute": 5, "second": 30}
